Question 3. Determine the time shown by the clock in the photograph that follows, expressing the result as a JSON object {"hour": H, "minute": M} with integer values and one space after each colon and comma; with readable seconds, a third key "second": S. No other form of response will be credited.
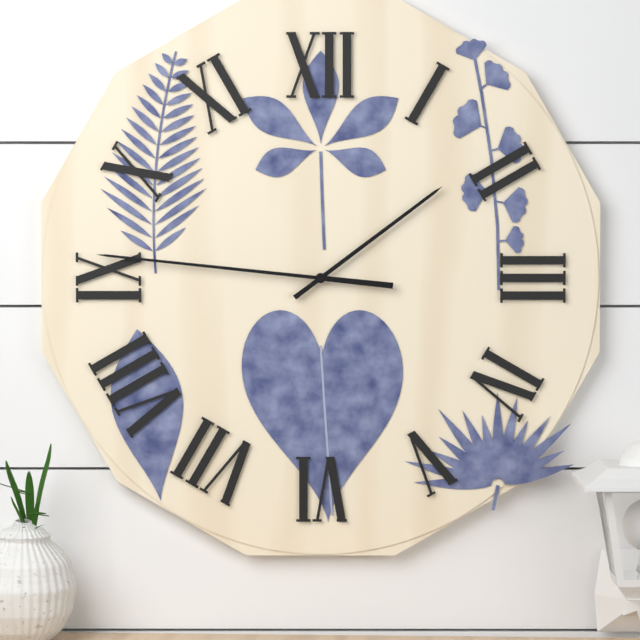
{"hour": 1, "minute": 46}
